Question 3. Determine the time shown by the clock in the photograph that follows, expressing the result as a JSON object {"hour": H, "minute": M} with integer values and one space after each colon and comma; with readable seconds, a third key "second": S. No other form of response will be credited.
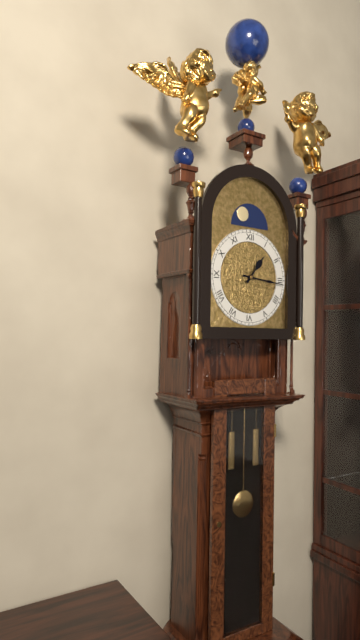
{"hour": 1, "minute": 16}
